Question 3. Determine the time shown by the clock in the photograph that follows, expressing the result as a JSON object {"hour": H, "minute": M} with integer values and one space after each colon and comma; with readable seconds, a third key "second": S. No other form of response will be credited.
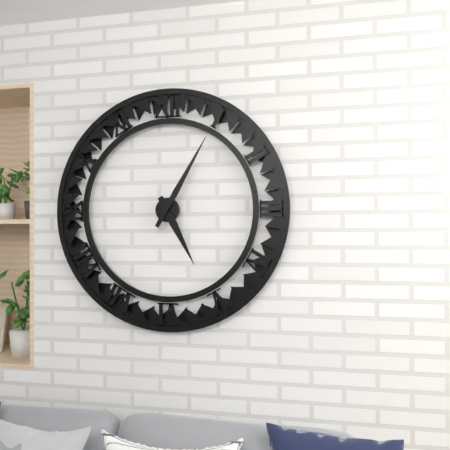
{"hour": 5, "minute": 5}
